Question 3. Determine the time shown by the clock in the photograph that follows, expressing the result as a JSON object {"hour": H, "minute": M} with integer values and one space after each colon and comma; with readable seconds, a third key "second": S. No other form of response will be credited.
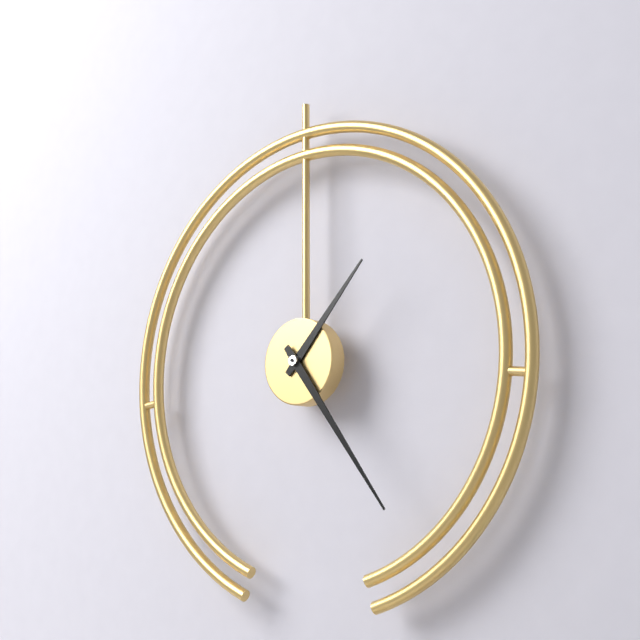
{"hour": 1, "minute": 24}
